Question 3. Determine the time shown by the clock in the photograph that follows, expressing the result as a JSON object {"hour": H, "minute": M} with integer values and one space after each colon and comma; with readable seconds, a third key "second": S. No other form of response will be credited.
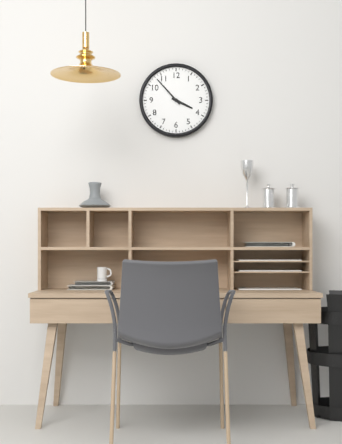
{"hour": 3, "minute": 53}
